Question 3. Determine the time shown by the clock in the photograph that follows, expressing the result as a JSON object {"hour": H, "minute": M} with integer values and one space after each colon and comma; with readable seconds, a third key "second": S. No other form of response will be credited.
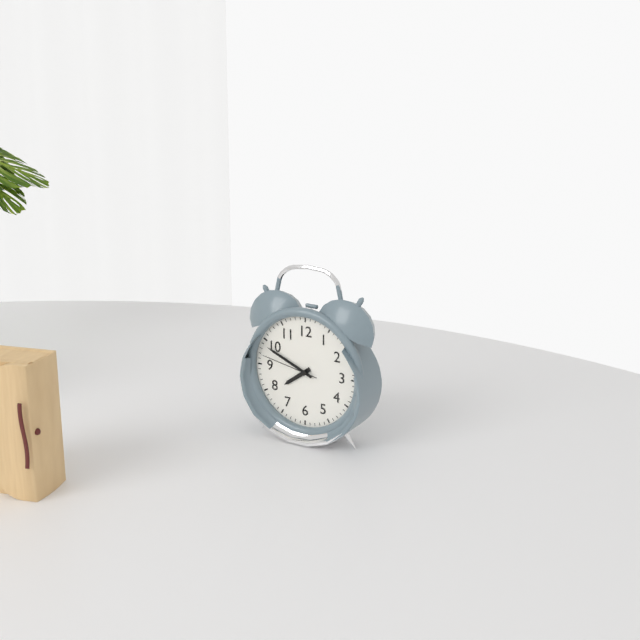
{"hour": 7, "minute": 49, "second": 47}
